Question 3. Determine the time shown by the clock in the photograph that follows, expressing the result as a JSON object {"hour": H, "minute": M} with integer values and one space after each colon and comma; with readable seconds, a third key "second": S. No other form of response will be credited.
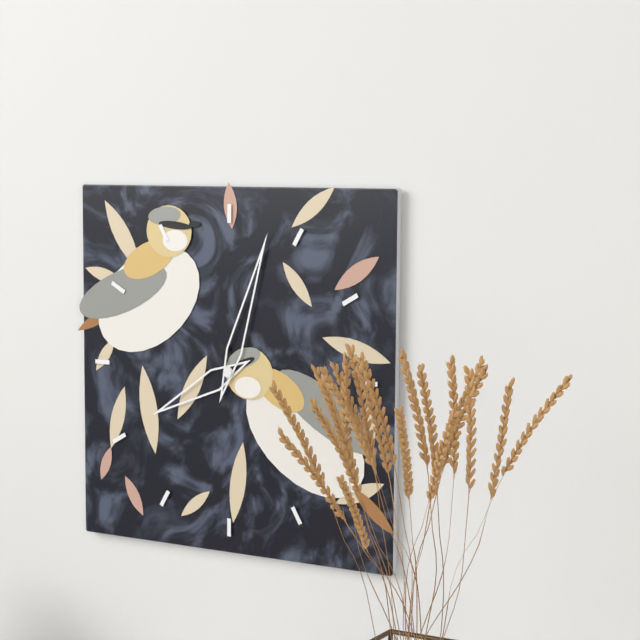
{"hour": 8, "minute": 3}
